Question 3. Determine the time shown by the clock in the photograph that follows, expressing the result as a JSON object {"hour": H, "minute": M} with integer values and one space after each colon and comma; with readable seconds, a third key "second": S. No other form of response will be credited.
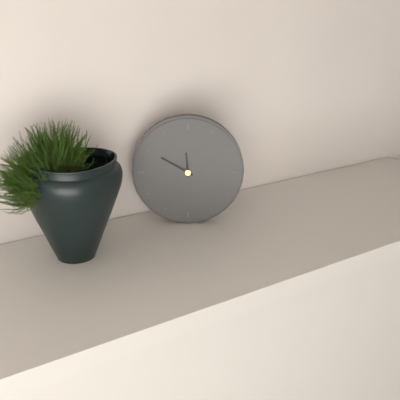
{"hour": 11, "minute": 50}
